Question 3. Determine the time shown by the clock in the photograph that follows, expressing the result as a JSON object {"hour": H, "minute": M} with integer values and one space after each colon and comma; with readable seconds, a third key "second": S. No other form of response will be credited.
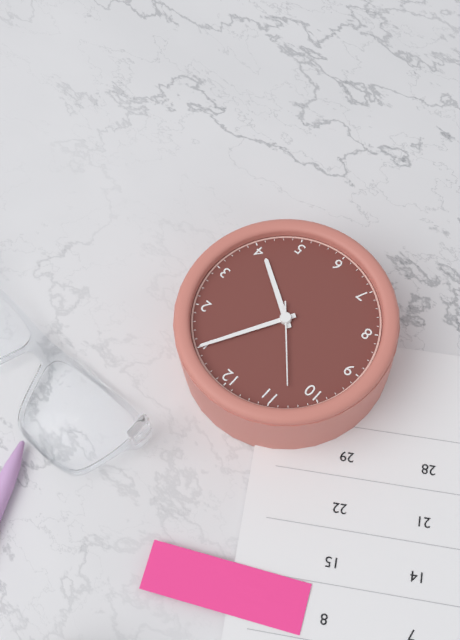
{"hour": 4, "minute": 5, "second": 53}
